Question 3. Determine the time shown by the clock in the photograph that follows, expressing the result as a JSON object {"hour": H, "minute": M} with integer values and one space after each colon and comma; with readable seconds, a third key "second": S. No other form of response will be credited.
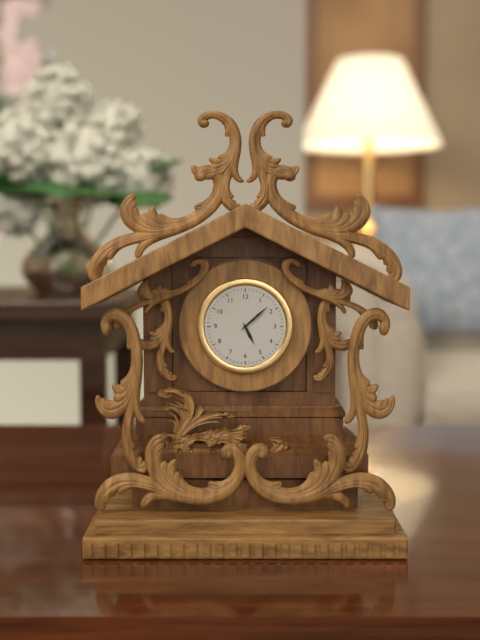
{"hour": 5, "minute": 8}
